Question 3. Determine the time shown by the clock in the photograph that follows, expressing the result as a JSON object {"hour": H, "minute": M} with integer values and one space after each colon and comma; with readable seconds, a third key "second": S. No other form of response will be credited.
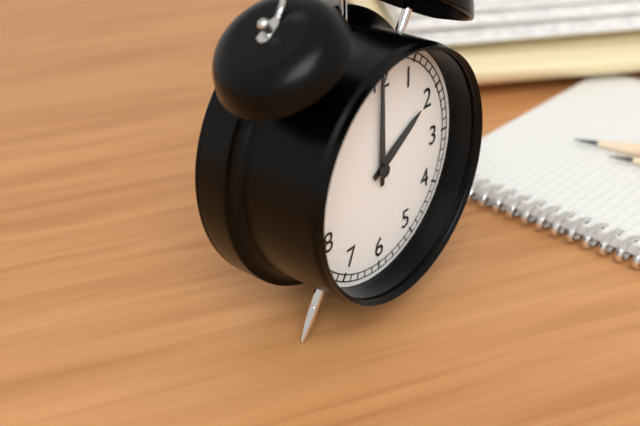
{"hour": 2, "minute": 0}
